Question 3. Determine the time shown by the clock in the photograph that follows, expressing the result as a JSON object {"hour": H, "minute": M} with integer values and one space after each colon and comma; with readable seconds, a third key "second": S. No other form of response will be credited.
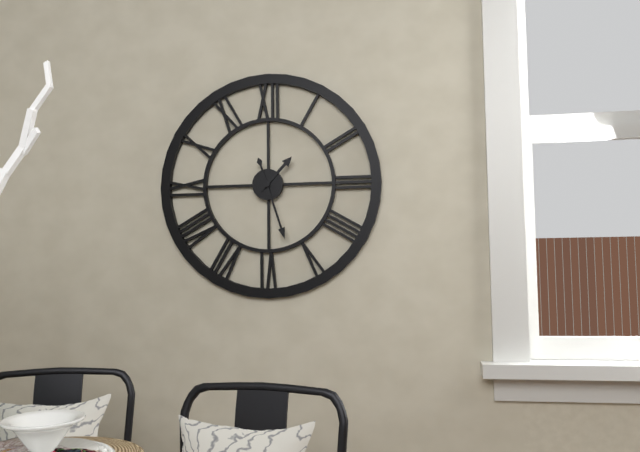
{"hour": 1, "minute": 27}
